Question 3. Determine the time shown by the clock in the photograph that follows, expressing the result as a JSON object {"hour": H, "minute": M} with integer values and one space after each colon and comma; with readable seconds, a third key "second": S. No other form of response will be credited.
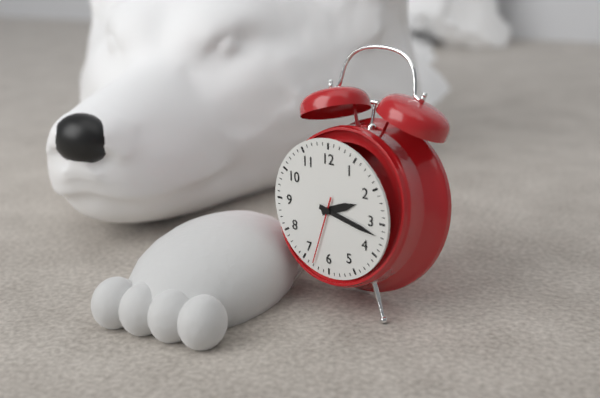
{"hour": 2, "minute": 17, "second": 33}
